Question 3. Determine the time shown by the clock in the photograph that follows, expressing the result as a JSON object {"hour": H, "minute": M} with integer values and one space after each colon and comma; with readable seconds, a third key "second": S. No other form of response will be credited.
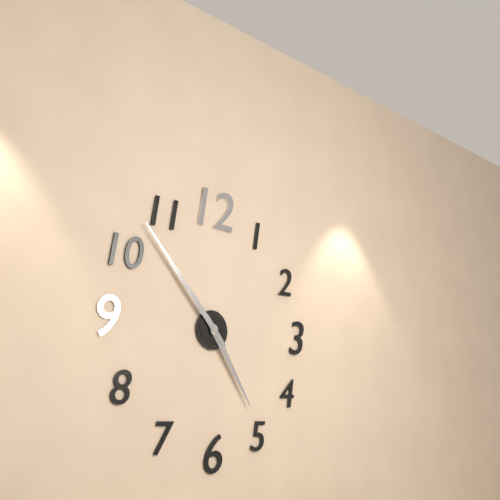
{"hour": 4, "minute": 53}
